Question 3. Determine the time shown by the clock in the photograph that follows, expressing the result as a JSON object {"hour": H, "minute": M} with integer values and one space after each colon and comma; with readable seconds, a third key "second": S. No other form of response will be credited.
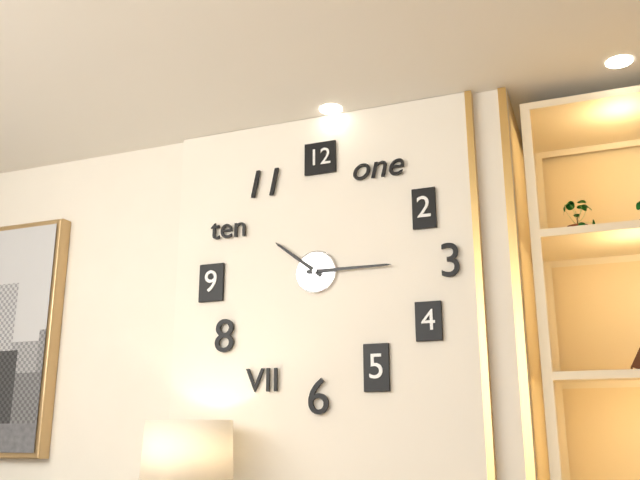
{"hour": 10, "minute": 15}
